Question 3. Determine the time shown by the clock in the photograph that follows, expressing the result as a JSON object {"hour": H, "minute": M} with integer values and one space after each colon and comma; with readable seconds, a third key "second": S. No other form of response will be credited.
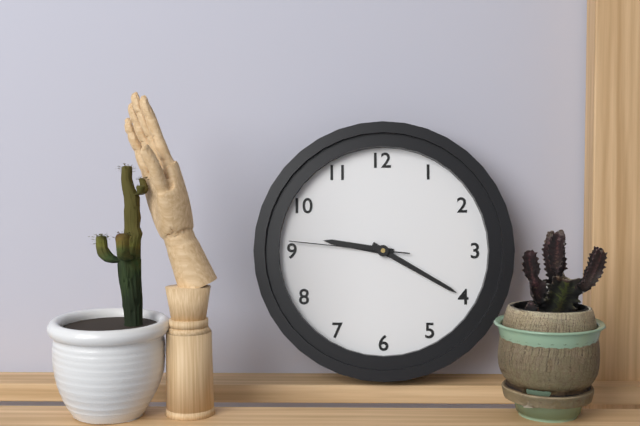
{"hour": 9, "minute": 20, "second": 46}
